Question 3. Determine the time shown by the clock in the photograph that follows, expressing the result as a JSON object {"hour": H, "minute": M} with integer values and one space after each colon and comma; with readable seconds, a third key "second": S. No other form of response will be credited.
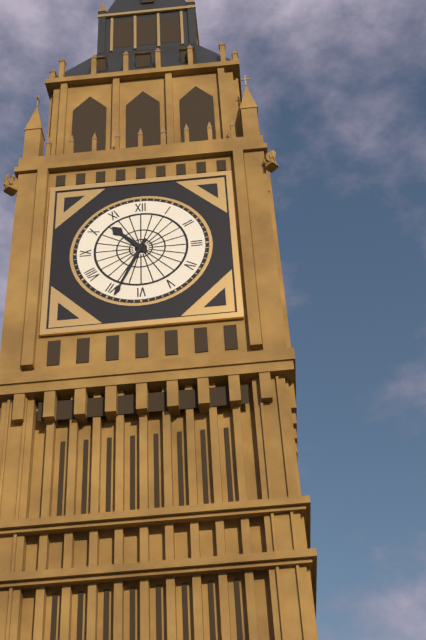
{"hour": 10, "minute": 34}
